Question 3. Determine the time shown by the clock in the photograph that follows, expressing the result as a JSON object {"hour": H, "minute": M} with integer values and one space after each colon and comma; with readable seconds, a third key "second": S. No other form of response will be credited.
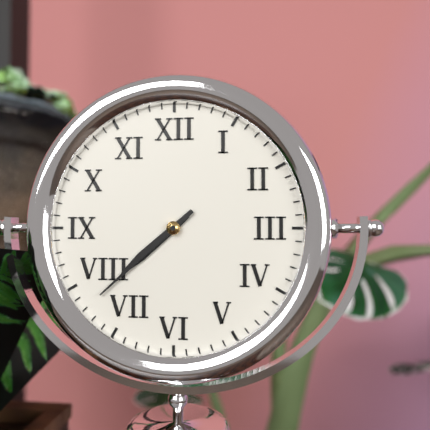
{"hour": 7, "minute": 38}
